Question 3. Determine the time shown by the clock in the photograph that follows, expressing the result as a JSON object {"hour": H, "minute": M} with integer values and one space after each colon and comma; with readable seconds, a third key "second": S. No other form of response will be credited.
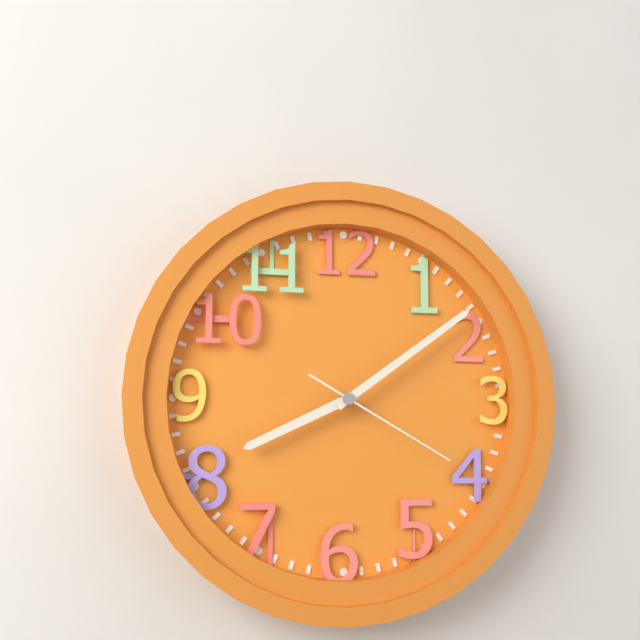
{"hour": 8, "minute": 9, "second": 20}
